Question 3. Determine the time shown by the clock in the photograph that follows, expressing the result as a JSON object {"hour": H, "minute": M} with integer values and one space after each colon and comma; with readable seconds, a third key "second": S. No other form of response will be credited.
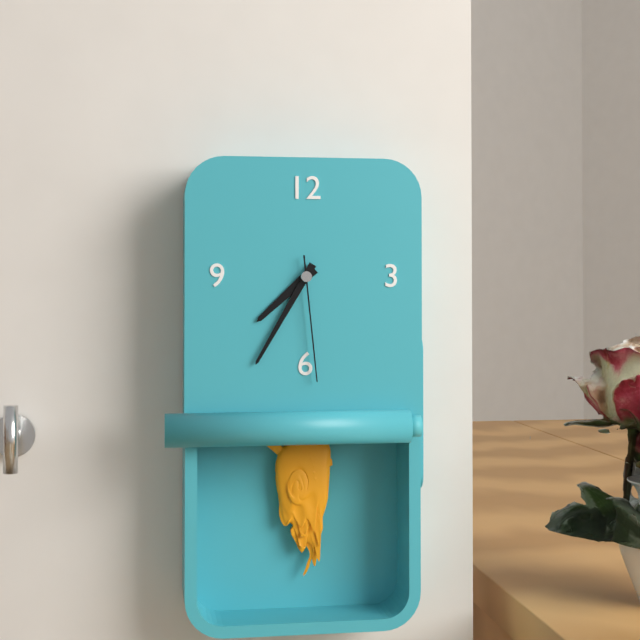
{"hour": 7, "minute": 35, "second": 29}
